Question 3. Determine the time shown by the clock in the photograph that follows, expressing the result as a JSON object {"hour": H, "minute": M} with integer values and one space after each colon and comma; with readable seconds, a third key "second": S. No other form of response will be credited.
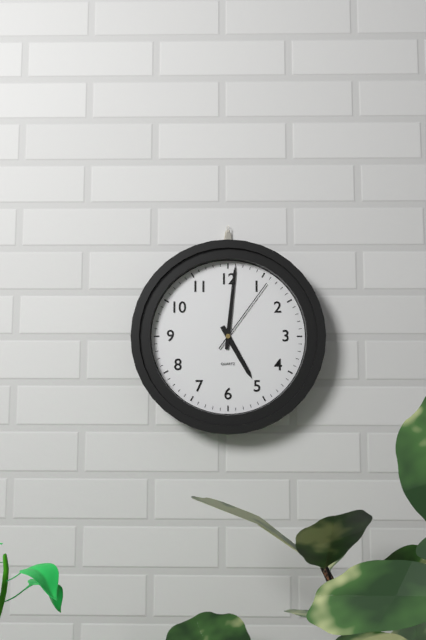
{"hour": 5, "minute": 1, "second": 6}
